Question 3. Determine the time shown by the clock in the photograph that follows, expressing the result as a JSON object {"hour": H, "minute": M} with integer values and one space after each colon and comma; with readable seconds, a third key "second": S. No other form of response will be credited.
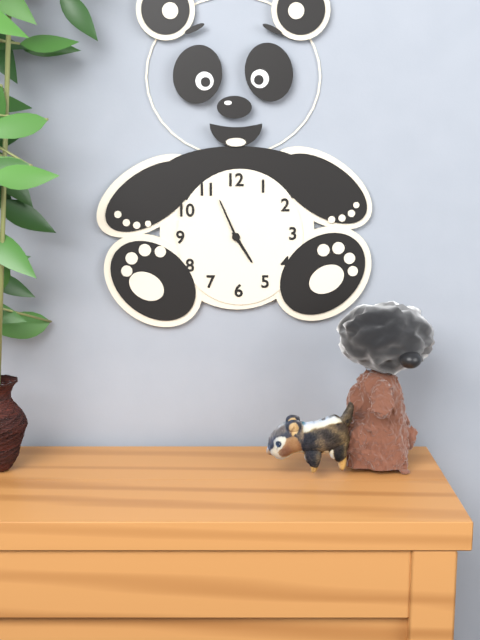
{"hour": 4, "minute": 56}
